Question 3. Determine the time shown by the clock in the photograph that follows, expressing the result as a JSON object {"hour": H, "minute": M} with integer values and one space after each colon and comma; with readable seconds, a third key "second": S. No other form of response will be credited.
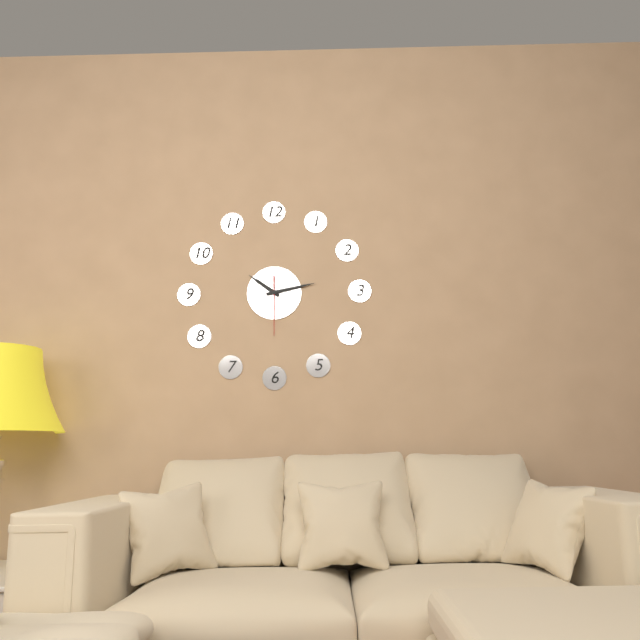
{"hour": 10, "minute": 13, "second": 30}
